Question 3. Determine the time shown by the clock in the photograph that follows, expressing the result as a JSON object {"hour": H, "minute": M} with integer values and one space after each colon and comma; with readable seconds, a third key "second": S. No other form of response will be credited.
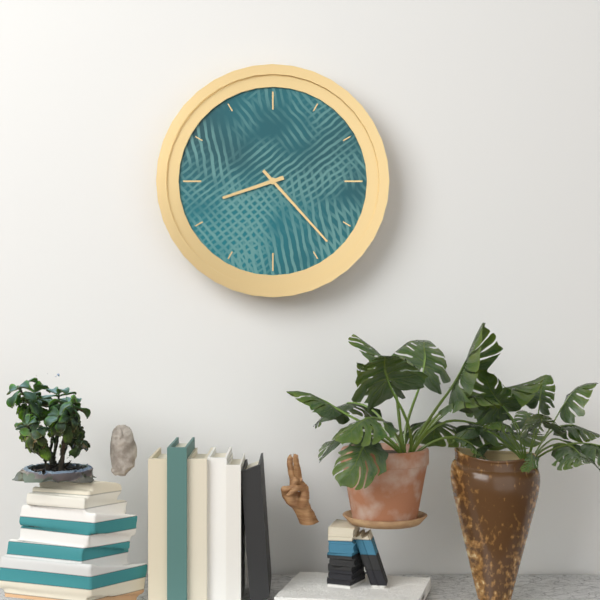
{"hour": 8, "minute": 23}
